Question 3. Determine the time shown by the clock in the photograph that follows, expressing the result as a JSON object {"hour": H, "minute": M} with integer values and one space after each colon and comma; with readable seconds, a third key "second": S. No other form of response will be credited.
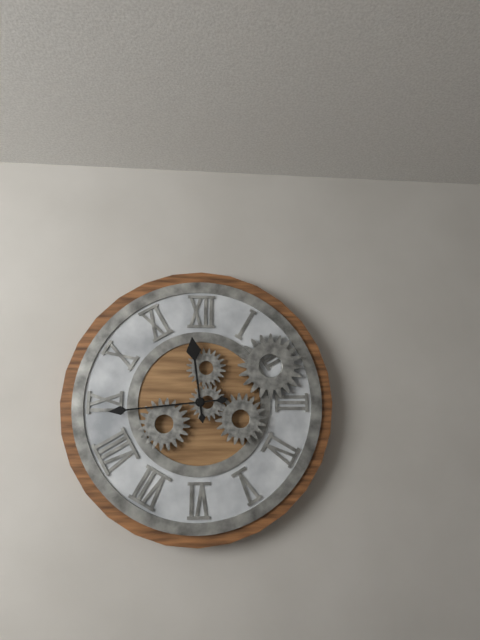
{"hour": 11, "minute": 44}
